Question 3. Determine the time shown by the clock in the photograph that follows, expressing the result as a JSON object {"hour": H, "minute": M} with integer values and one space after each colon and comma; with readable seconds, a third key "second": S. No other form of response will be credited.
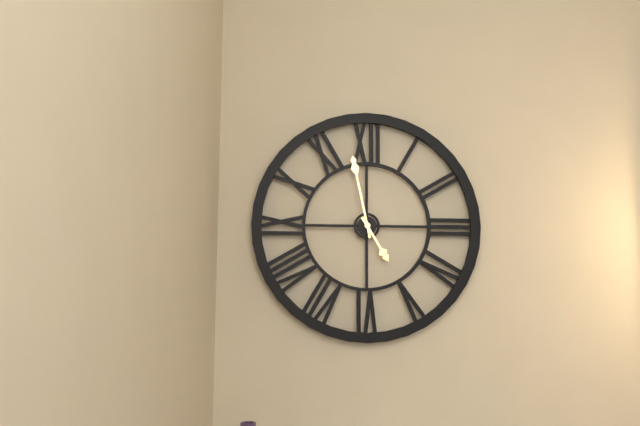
{"hour": 4, "minute": 58}
